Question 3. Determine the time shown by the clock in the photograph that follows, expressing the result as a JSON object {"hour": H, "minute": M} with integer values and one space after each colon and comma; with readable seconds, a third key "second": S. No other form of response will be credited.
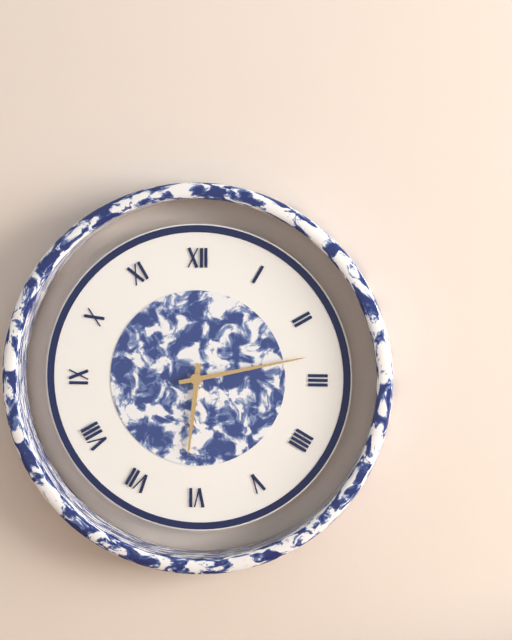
{"hour": 6, "minute": 13}
